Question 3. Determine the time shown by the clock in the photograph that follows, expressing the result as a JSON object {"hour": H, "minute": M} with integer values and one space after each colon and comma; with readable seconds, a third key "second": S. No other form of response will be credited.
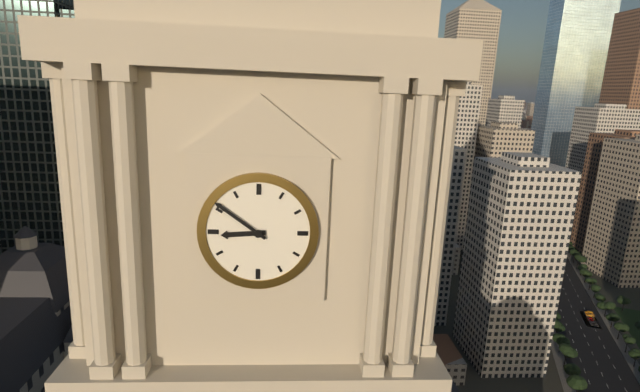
{"hour": 8, "minute": 51}
